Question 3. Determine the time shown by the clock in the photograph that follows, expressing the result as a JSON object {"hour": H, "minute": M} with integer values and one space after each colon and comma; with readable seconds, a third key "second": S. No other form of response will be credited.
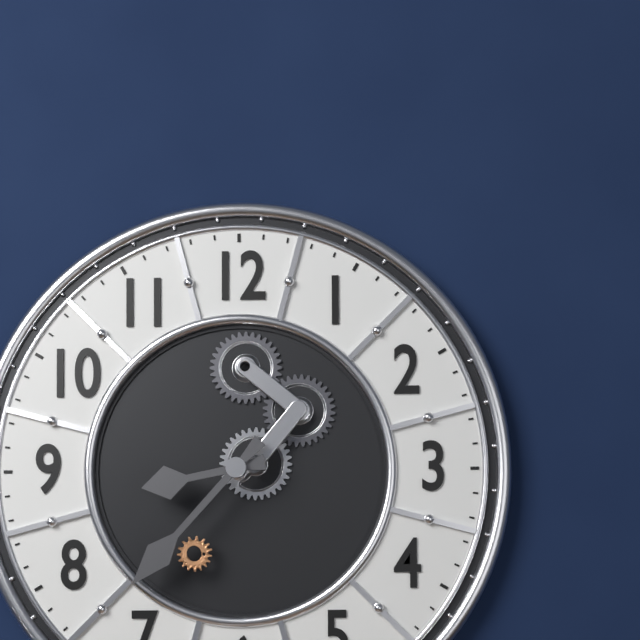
{"hour": 8, "minute": 37}
